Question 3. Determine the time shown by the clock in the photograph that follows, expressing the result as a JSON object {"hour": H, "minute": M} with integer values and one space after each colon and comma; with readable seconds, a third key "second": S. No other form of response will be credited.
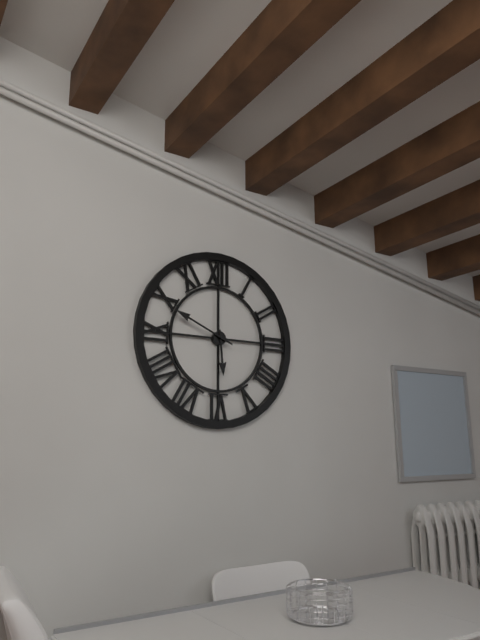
{"hour": 5, "minute": 49}
